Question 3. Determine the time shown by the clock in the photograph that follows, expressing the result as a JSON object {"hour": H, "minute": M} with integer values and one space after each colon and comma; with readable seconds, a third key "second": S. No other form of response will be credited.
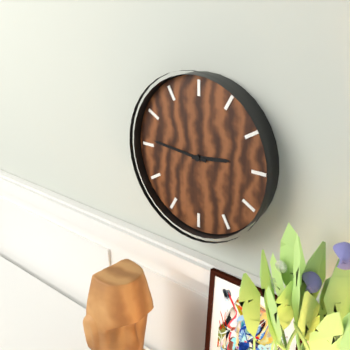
{"hour": 2, "minute": 46}
